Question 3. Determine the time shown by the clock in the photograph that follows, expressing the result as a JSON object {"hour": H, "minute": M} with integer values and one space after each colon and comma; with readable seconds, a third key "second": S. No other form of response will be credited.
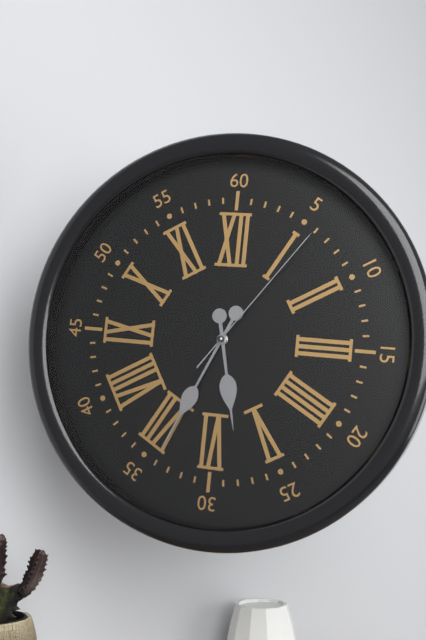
{"hour": 5, "minute": 34, "second": 6}
